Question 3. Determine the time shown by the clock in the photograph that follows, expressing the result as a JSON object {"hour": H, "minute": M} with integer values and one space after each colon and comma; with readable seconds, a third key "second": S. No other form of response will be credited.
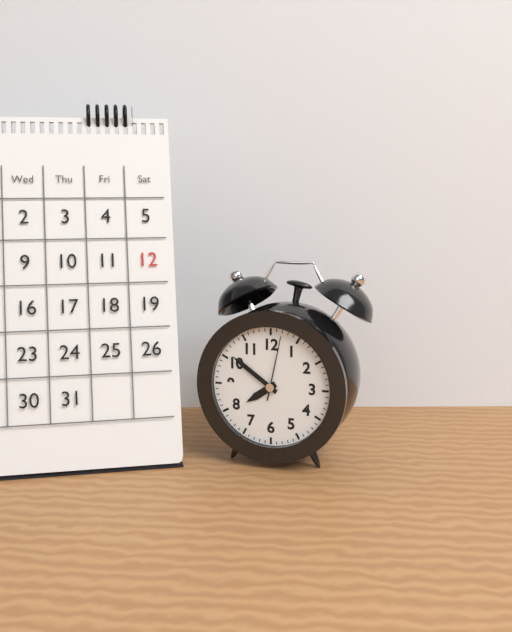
{"hour": 7, "minute": 51, "second": 2}
